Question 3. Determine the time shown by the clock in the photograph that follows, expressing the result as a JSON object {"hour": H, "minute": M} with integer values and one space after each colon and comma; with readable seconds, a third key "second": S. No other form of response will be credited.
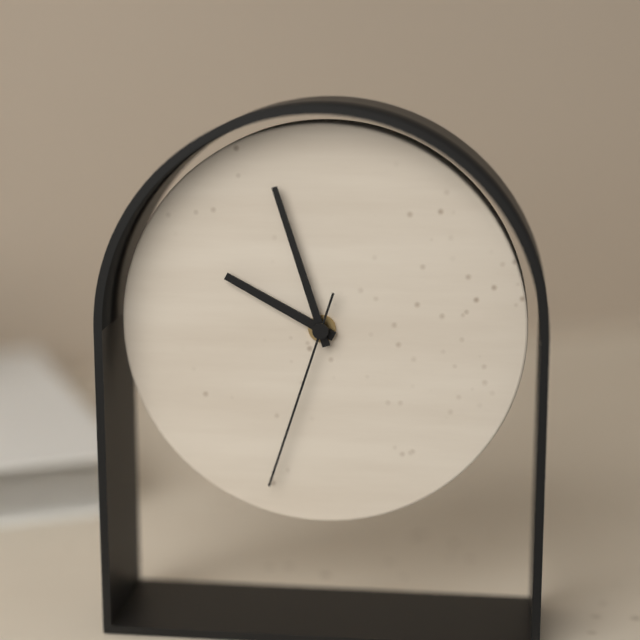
{"hour": 9, "minute": 57, "second": 33}
